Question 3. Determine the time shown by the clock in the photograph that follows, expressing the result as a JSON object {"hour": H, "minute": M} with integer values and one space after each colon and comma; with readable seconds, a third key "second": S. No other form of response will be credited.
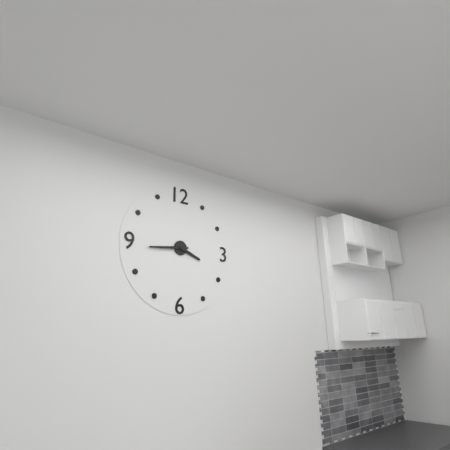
{"hour": 3, "minute": 44}
